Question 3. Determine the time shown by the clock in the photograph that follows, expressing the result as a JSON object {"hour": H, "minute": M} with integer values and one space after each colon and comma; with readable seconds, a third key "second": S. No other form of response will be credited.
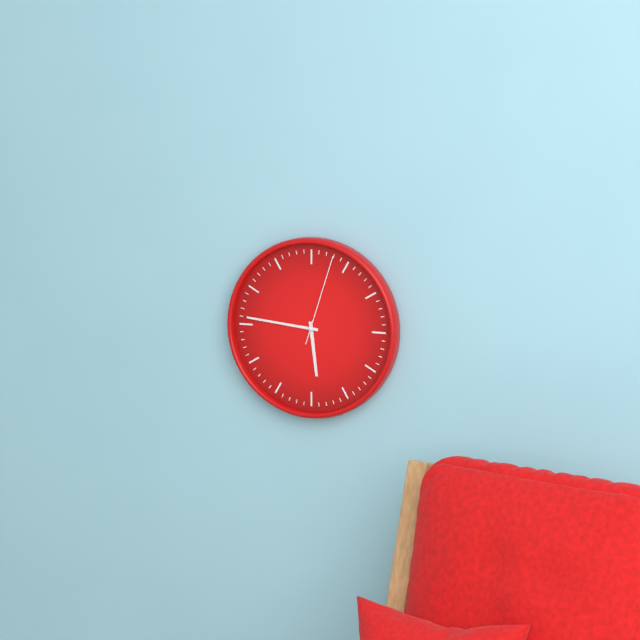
{"hour": 5, "minute": 46, "second": 3}
